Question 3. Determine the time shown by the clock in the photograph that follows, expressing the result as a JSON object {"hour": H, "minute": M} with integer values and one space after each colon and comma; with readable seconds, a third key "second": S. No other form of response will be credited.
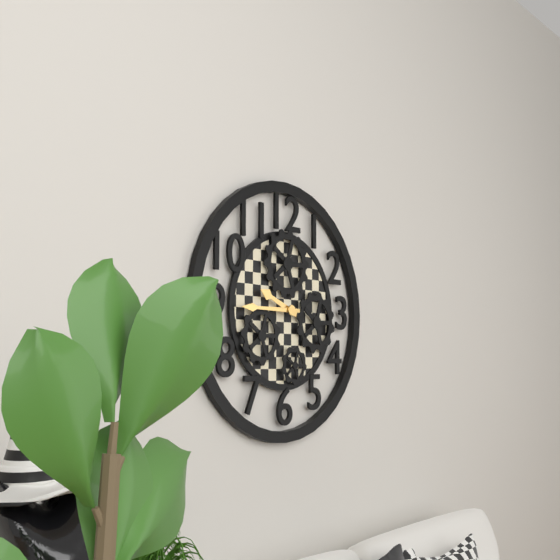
{"hour": 9, "minute": 45}
